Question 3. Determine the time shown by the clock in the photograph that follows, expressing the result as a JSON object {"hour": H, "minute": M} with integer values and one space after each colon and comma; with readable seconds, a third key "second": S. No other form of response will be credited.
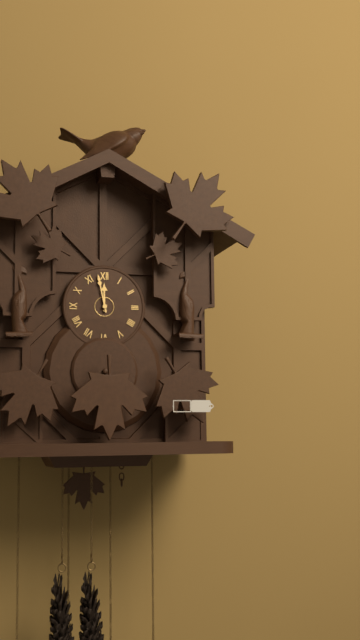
{"hour": 11, "minute": 58}
